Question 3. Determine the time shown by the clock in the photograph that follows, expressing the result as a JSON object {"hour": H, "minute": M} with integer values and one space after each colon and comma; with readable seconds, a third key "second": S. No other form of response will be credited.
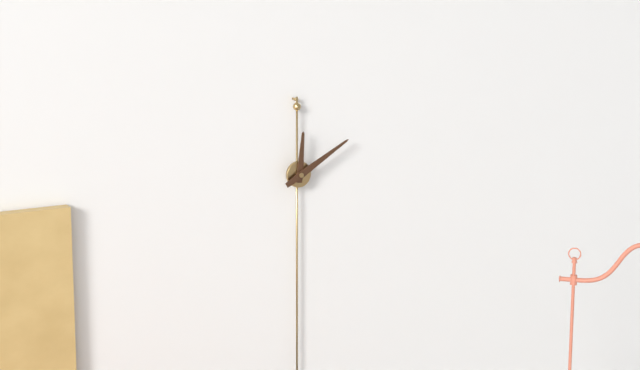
{"hour": 12, "minute": 10}
